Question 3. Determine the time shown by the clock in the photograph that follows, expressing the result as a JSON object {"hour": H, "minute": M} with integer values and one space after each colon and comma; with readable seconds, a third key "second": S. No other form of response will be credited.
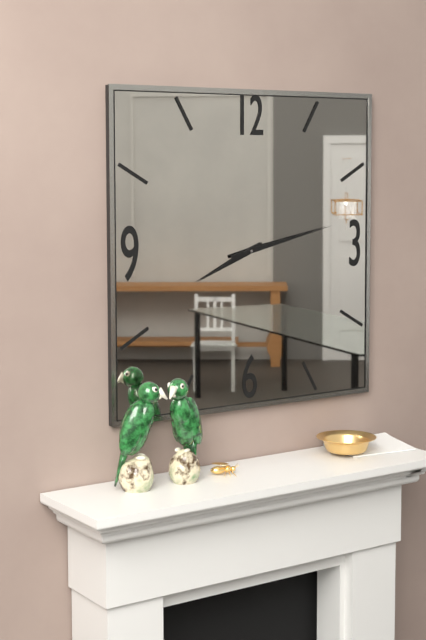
{"hour": 8, "minute": 13}
